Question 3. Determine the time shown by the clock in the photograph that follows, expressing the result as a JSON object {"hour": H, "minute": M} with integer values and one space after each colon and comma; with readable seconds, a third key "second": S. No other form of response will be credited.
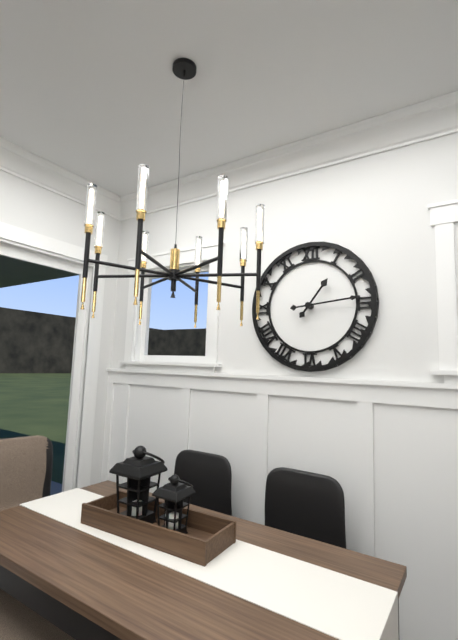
{"hour": 1, "minute": 14}
